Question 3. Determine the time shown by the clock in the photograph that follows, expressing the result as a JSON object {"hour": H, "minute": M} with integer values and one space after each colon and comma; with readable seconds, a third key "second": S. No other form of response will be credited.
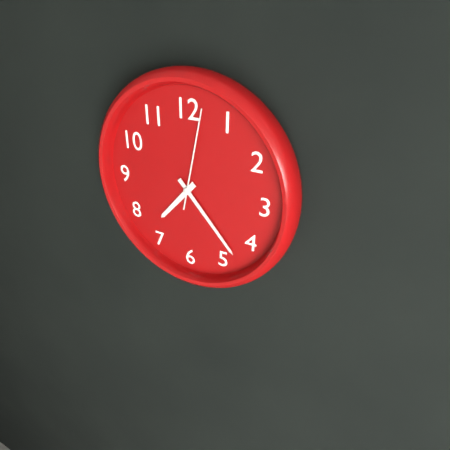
{"hour": 7, "minute": 23, "second": 2}
